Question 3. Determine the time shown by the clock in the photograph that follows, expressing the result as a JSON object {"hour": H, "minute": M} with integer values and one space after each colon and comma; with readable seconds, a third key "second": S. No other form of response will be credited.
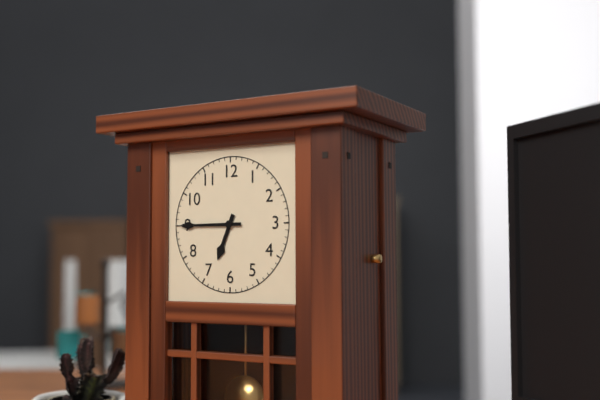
{"hour": 6, "minute": 45}
